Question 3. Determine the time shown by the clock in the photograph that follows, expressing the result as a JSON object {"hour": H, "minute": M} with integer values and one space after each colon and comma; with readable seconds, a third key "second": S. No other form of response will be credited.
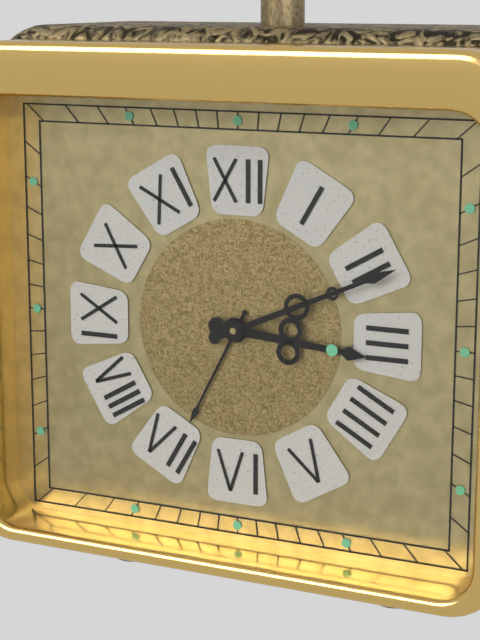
{"hour": 3, "minute": 11}
